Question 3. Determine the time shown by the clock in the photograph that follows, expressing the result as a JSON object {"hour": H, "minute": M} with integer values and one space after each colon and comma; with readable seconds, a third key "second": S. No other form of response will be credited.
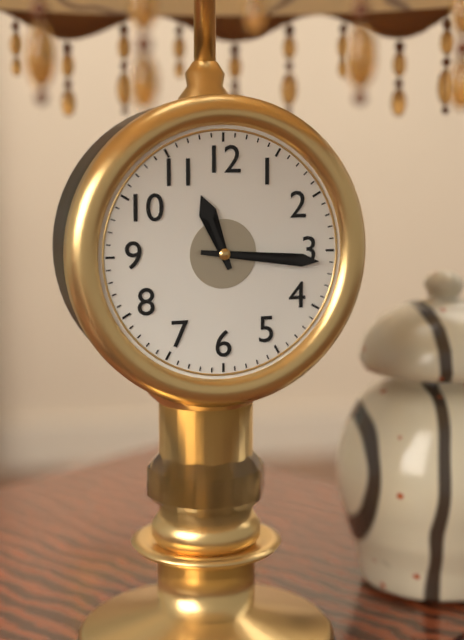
{"hour": 11, "minute": 16}
